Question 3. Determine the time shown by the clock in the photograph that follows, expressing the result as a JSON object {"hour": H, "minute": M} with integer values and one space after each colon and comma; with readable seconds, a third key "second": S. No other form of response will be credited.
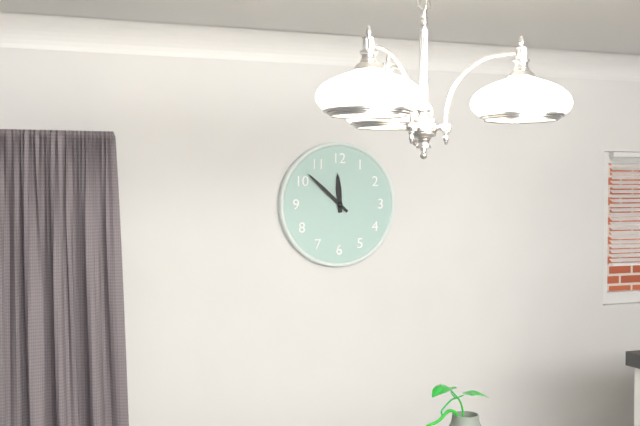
{"hour": 11, "minute": 52}
